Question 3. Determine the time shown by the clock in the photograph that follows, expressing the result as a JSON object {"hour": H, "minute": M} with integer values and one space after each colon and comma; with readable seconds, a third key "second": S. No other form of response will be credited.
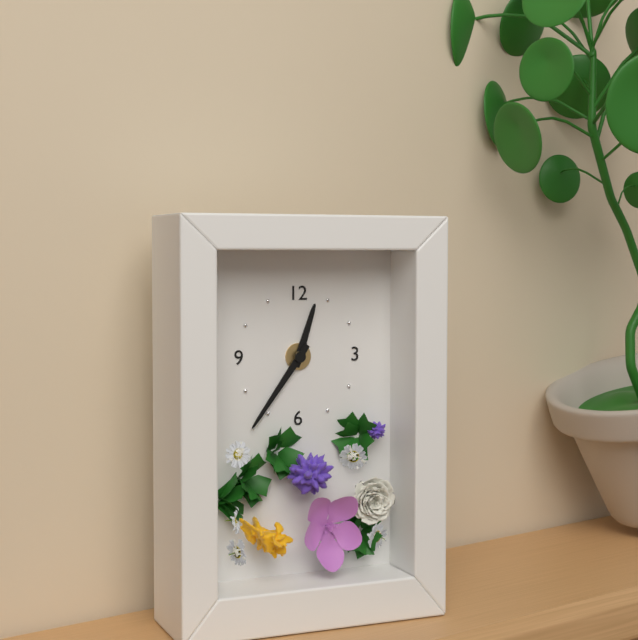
{"hour": 12, "minute": 36}
